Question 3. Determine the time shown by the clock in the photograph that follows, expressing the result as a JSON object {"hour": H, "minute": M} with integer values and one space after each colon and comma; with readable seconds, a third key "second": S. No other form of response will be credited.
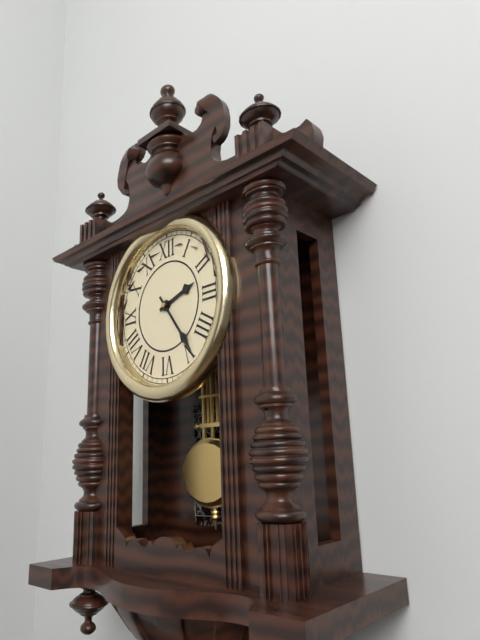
{"hour": 2, "minute": 24}
